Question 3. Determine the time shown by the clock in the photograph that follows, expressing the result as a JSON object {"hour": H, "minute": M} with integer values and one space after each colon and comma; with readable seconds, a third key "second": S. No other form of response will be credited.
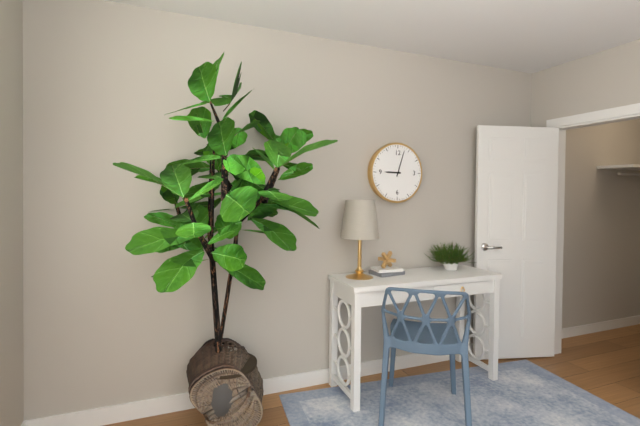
{"hour": 9, "minute": 3}
